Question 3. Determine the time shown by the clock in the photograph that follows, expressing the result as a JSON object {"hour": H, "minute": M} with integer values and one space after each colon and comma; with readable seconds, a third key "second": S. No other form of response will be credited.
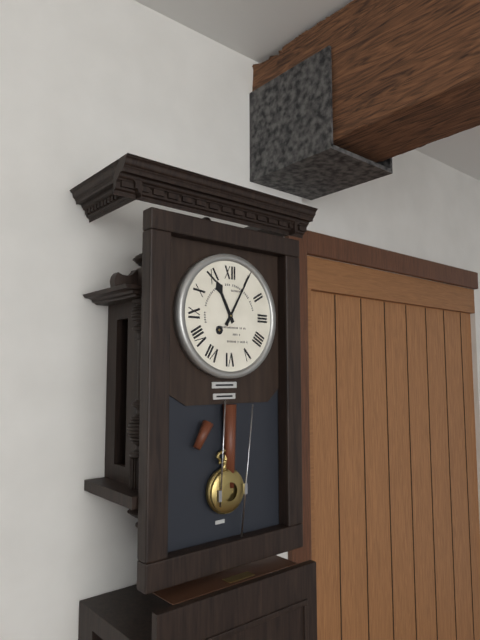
{"hour": 11, "minute": 5}
